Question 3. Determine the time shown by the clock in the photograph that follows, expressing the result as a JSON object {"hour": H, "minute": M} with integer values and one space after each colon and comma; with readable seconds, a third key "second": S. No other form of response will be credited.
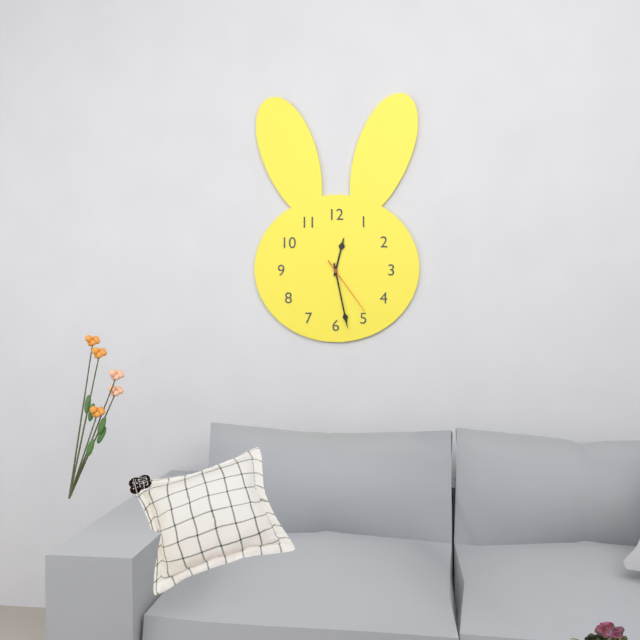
{"hour": 12, "minute": 28, "second": 24}
